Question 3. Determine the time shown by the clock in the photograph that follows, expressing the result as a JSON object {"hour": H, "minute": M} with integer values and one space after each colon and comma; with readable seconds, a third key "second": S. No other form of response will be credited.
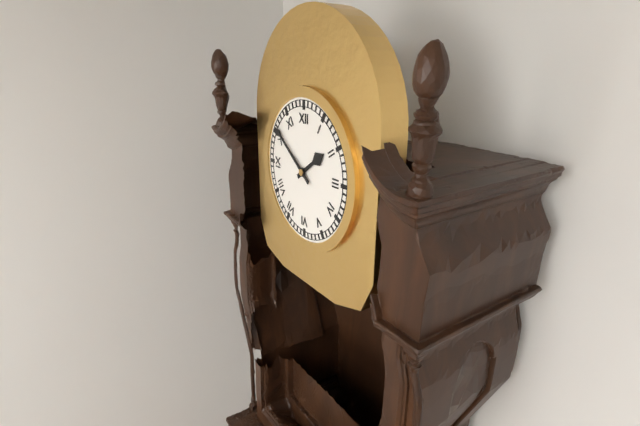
{"hour": 1, "minute": 51}
